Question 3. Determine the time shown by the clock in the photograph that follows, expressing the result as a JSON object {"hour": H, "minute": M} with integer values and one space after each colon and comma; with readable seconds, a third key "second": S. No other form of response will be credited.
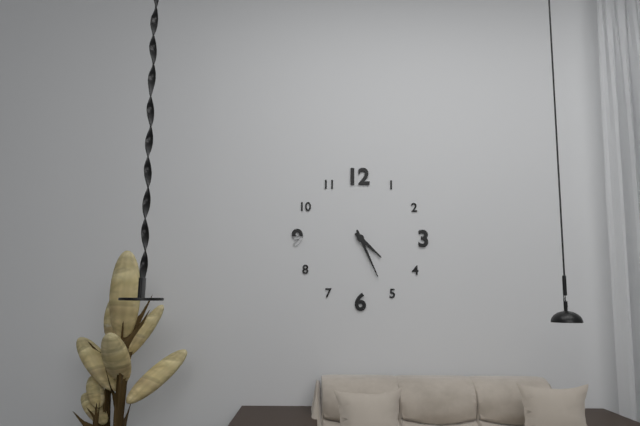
{"hour": 4, "minute": 26}
